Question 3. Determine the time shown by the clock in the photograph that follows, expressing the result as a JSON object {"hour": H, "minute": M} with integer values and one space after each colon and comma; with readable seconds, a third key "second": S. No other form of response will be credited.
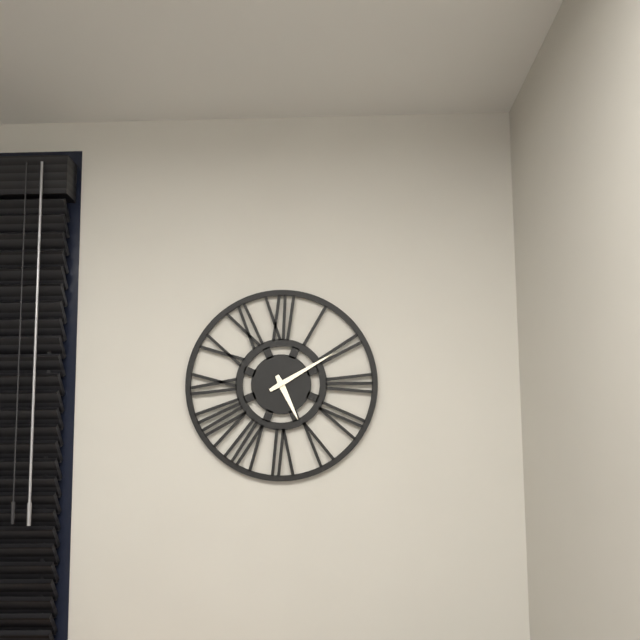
{"hour": 5, "minute": 10}
